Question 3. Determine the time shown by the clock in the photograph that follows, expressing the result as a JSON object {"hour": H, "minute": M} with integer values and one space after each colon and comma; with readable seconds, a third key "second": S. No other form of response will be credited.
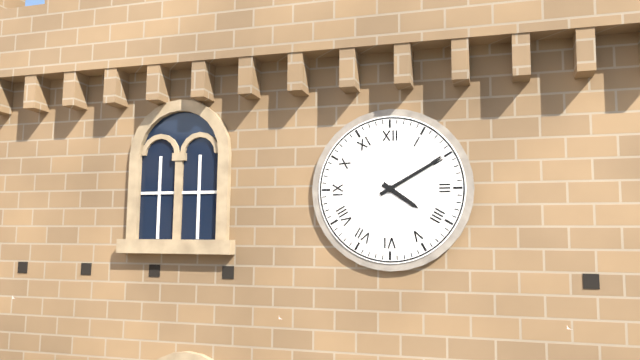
{"hour": 4, "minute": 10}
